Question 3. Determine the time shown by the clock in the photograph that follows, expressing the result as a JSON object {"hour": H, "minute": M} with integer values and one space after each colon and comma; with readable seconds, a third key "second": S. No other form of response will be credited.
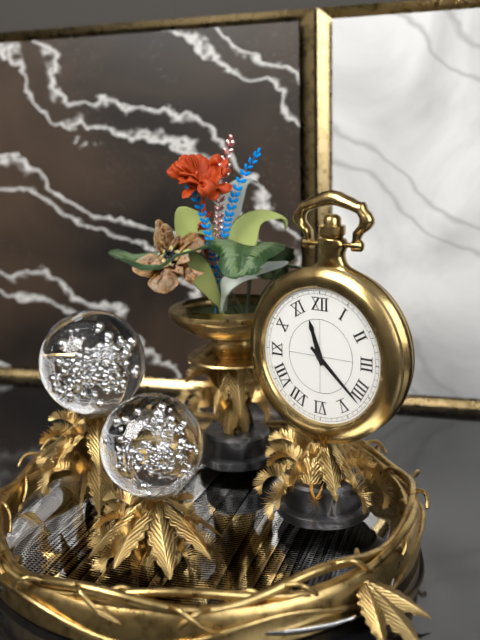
{"hour": 11, "minute": 22}
